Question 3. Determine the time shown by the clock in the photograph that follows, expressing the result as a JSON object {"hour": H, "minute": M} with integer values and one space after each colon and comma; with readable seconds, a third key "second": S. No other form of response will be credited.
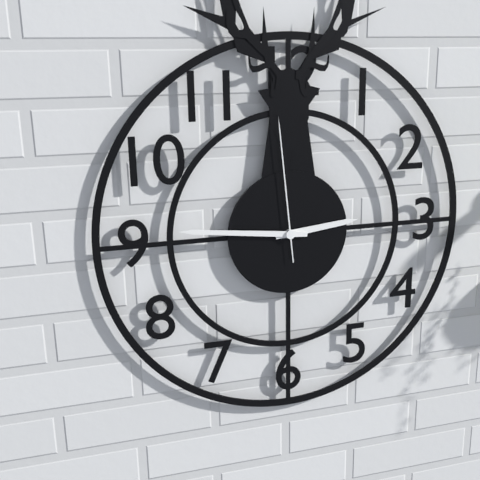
{"hour": 2, "minute": 46, "second": 59}
